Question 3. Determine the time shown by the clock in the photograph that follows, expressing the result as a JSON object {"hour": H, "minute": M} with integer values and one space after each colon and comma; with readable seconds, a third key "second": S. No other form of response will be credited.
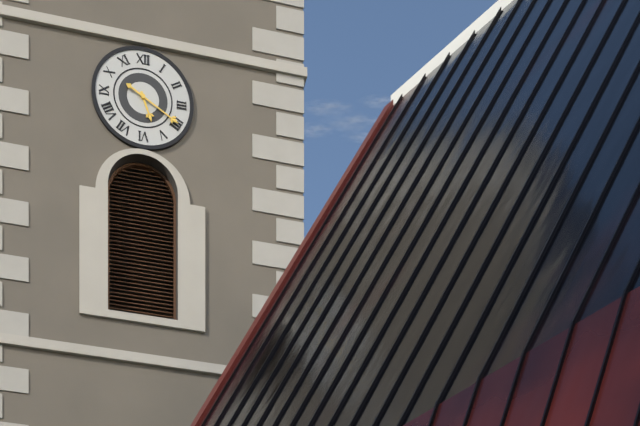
{"hour": 5, "minute": 20}
